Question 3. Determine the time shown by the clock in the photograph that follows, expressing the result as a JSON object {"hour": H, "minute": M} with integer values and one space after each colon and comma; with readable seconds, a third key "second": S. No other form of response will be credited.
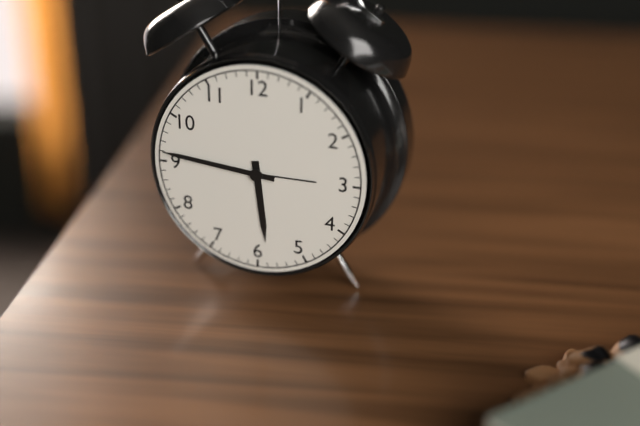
{"hour": 5, "minute": 46}
